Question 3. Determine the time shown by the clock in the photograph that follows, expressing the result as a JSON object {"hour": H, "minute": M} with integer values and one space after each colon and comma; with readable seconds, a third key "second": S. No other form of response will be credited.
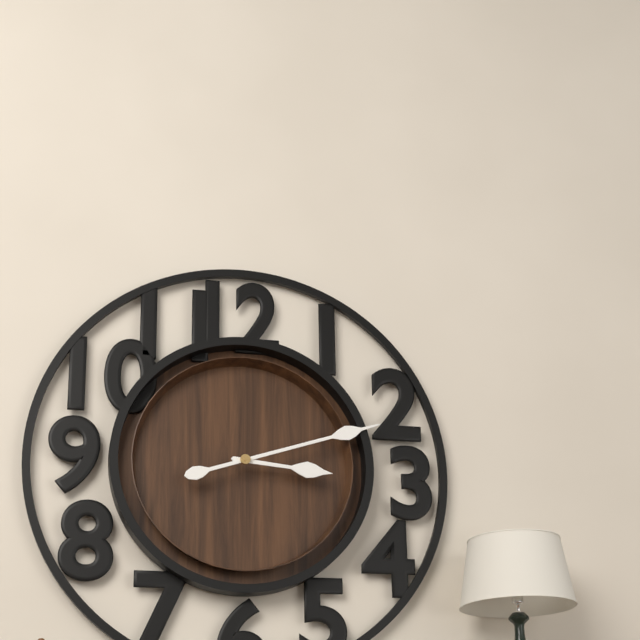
{"hour": 3, "minute": 12}
